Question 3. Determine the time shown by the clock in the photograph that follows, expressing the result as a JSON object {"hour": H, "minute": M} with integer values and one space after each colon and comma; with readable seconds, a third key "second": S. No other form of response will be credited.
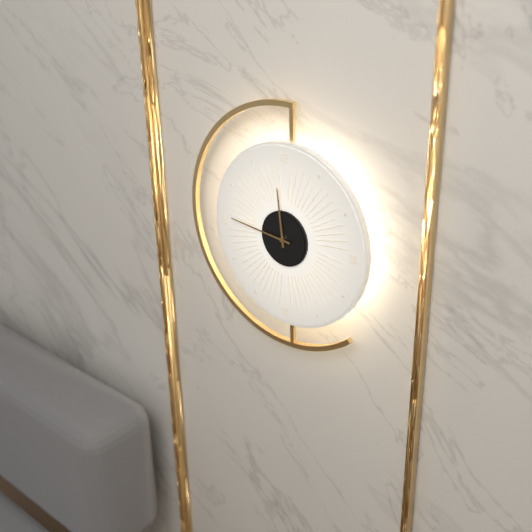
{"hour": 11, "minute": 46}
